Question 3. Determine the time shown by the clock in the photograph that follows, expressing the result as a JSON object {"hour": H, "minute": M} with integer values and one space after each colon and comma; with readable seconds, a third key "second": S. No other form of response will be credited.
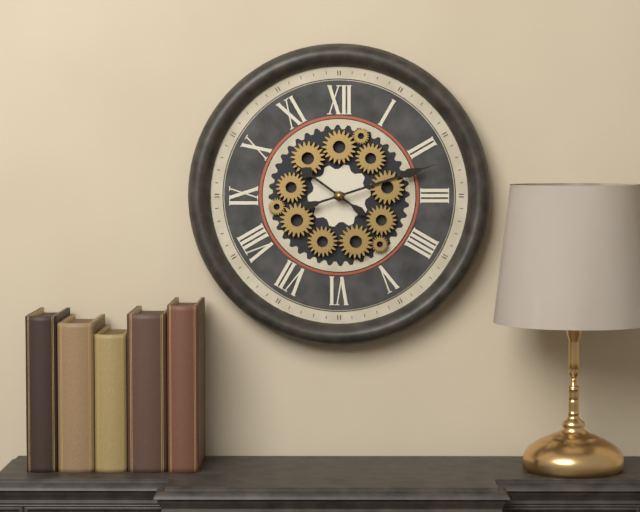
{"hour": 10, "minute": 12}
